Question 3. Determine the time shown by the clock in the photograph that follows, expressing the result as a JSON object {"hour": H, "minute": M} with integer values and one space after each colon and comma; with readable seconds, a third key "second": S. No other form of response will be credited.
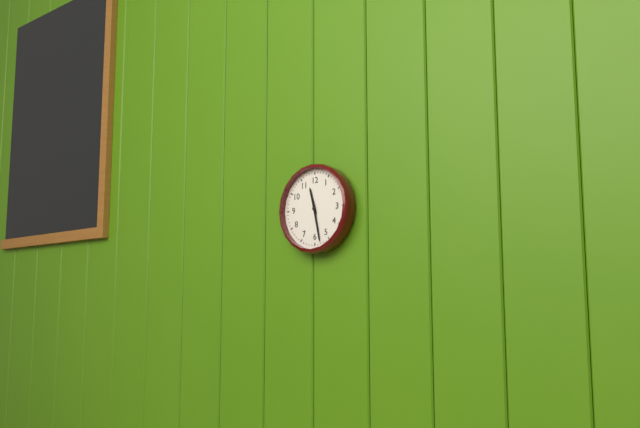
{"hour": 11, "minute": 28}
